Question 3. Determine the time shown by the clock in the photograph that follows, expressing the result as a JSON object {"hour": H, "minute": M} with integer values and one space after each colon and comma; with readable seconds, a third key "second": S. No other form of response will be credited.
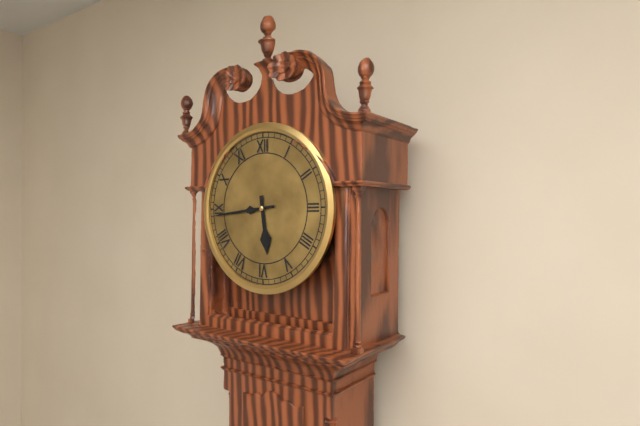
{"hour": 5, "minute": 44}
